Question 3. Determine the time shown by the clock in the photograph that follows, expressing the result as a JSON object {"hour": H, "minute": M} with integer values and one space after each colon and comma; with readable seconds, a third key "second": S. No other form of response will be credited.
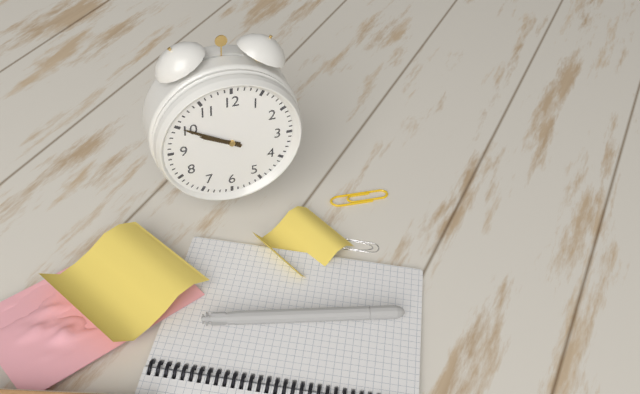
{"hour": 9, "minute": 50}
